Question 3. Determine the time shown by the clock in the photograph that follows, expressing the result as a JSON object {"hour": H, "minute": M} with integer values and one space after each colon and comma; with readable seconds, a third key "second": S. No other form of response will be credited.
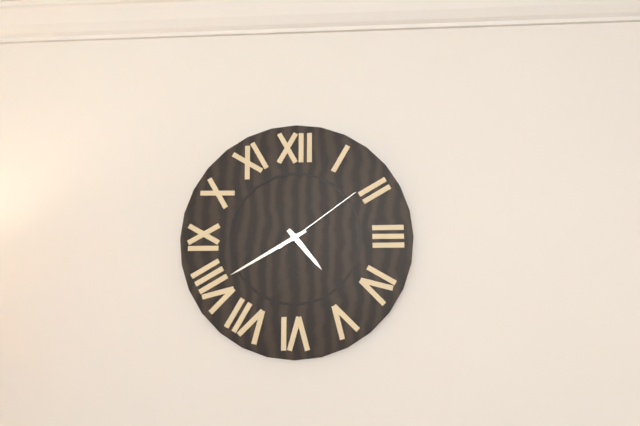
{"hour": 4, "minute": 40, "second": 9}
